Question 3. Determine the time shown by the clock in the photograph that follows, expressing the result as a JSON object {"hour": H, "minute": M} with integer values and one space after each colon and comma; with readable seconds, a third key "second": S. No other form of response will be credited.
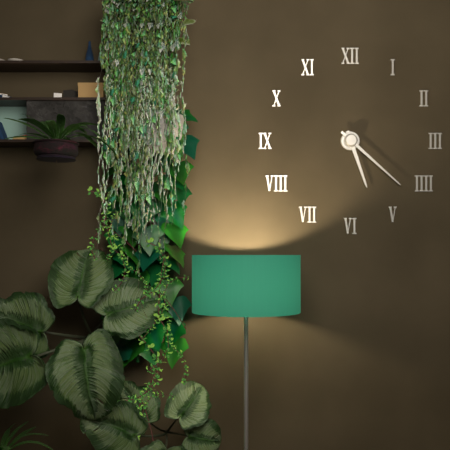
{"hour": 5, "minute": 22}
